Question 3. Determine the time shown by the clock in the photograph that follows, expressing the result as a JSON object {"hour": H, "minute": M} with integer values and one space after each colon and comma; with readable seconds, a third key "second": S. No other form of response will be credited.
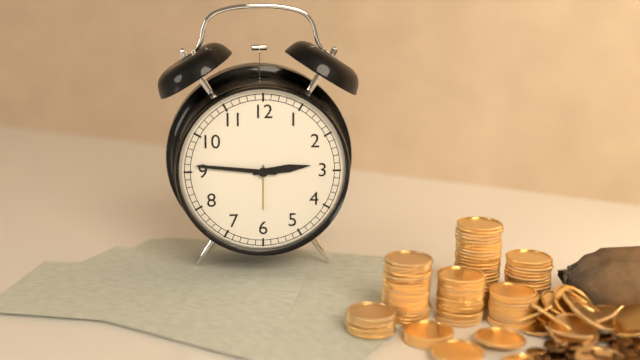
{"hour": 2, "minute": 46}
